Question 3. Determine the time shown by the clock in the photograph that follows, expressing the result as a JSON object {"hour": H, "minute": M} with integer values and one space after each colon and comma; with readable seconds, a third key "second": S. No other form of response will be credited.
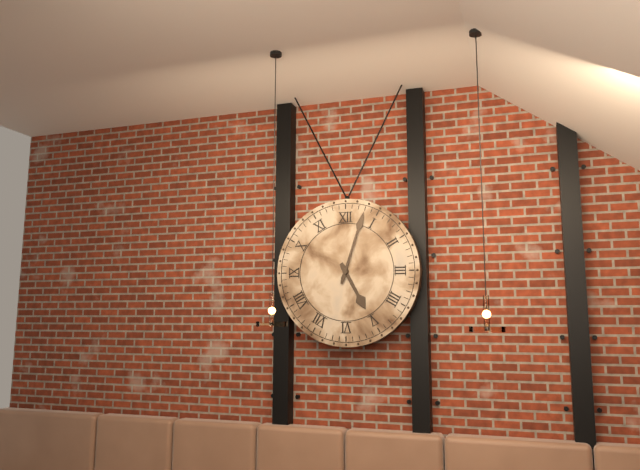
{"hour": 5, "minute": 3}
